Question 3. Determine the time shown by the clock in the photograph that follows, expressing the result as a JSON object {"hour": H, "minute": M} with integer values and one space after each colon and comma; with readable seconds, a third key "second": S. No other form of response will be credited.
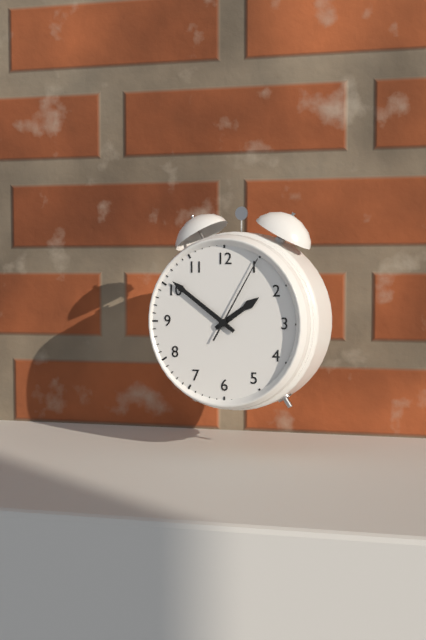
{"hour": 1, "minute": 51, "second": 5}
